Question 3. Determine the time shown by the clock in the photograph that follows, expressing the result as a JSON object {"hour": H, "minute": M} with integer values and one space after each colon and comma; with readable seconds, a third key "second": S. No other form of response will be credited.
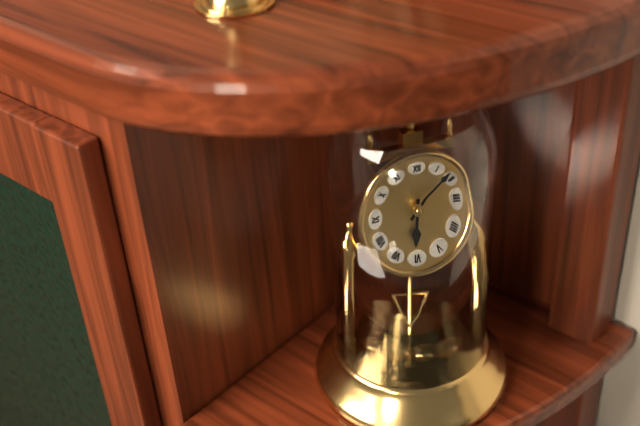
{"hour": 6, "minute": 8}
